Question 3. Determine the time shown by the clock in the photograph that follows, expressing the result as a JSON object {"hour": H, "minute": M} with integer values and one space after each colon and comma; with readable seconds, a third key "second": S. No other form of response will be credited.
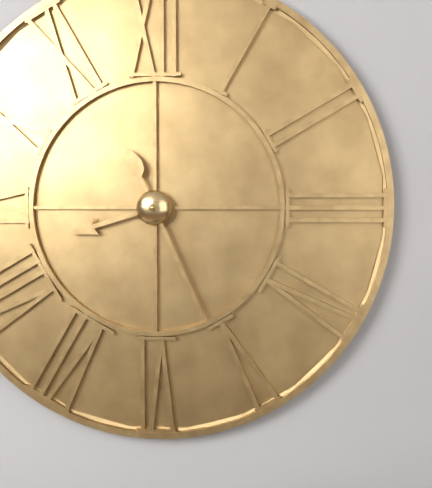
{"hour": 8, "minute": 26}
